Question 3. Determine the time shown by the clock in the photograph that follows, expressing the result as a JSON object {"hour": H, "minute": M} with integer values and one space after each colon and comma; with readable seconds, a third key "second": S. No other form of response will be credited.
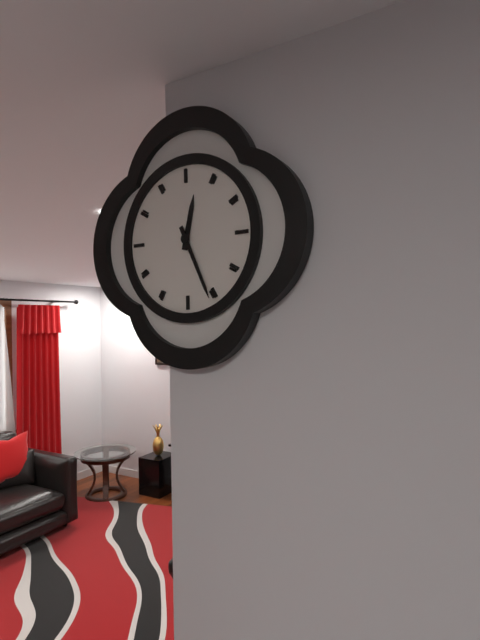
{"hour": 12, "minute": 26}
